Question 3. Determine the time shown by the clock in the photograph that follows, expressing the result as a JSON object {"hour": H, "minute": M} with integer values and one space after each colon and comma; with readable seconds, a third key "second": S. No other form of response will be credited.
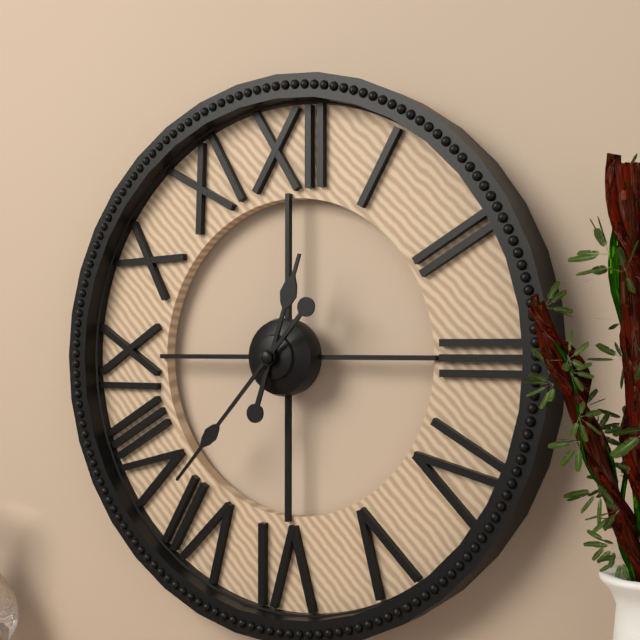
{"hour": 12, "minute": 37}
